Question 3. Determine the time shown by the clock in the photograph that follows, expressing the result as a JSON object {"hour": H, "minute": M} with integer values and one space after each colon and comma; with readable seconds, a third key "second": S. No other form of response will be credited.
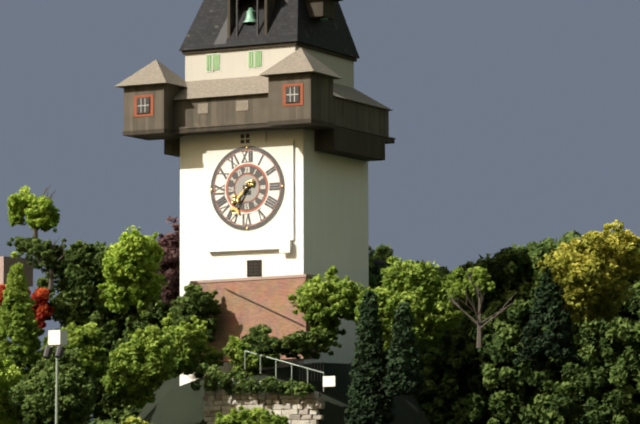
{"hour": 7, "minute": 35}
